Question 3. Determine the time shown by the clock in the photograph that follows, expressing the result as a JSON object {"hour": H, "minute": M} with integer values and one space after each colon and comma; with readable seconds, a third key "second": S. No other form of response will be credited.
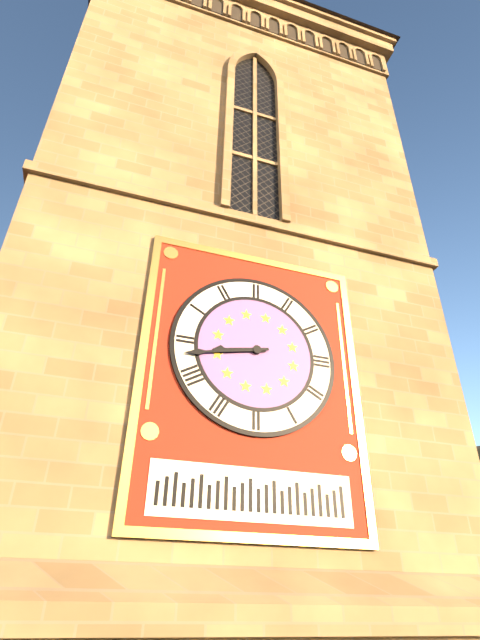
{"hour": 8, "minute": 43}
